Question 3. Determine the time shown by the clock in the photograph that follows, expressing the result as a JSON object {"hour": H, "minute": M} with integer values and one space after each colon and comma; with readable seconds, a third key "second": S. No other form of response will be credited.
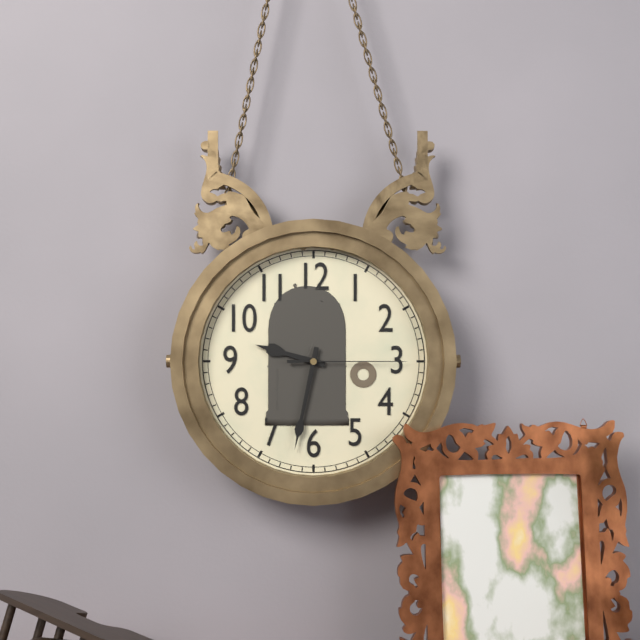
{"hour": 9, "minute": 32, "second": 15}
